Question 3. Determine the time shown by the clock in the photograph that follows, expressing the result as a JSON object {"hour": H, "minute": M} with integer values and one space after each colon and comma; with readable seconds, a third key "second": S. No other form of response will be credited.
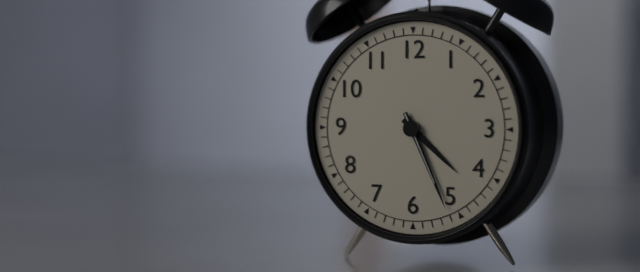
{"hour": 4, "minute": 26, "second": 26}
